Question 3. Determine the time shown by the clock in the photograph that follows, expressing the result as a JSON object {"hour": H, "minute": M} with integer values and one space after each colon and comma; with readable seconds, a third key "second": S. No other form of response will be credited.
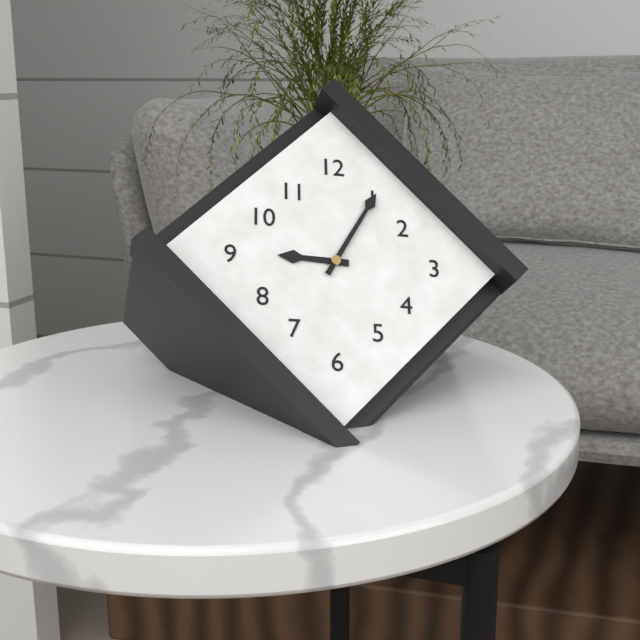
{"hour": 9, "minute": 5}
